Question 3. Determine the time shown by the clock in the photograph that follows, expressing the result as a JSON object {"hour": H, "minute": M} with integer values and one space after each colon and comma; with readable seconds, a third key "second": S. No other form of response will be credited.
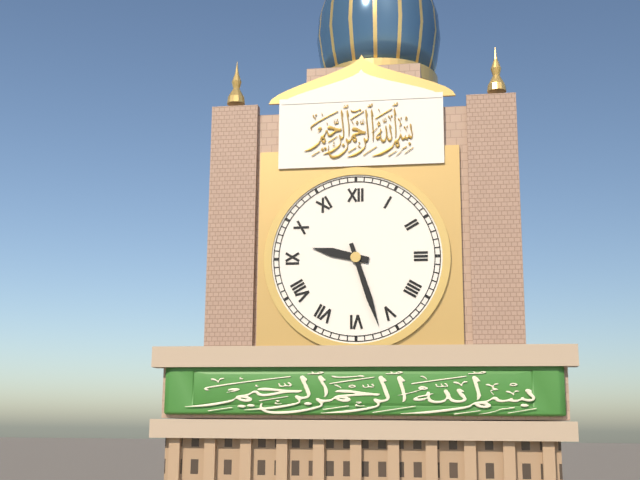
{"hour": 9, "minute": 27}
